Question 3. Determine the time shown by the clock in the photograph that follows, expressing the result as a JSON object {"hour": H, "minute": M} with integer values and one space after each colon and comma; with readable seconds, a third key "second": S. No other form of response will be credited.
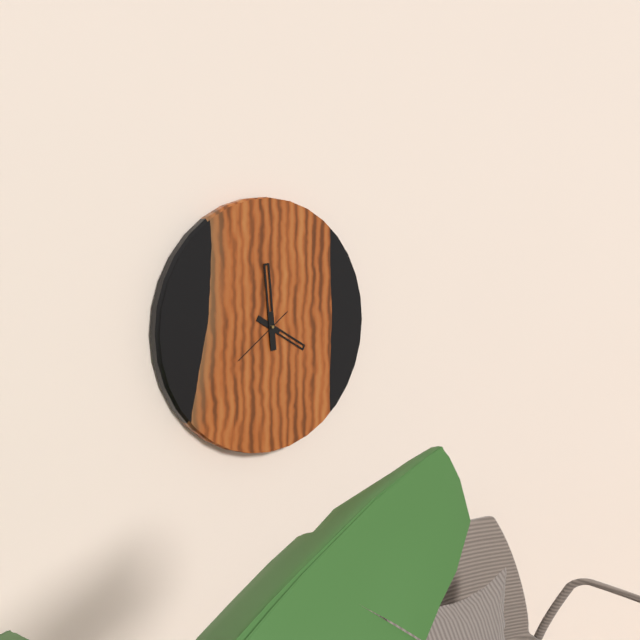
{"hour": 3, "minute": 59, "second": 39}
